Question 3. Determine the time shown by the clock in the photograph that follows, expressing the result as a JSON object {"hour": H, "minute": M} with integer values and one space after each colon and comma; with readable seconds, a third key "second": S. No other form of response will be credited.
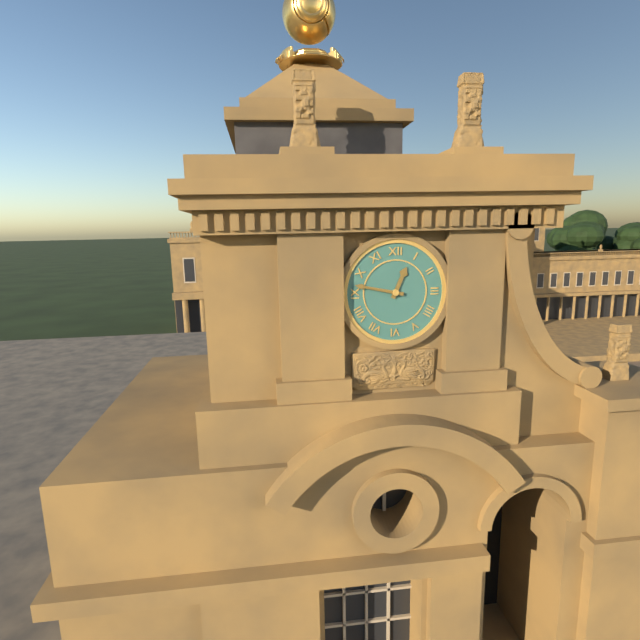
{"hour": 12, "minute": 47}
